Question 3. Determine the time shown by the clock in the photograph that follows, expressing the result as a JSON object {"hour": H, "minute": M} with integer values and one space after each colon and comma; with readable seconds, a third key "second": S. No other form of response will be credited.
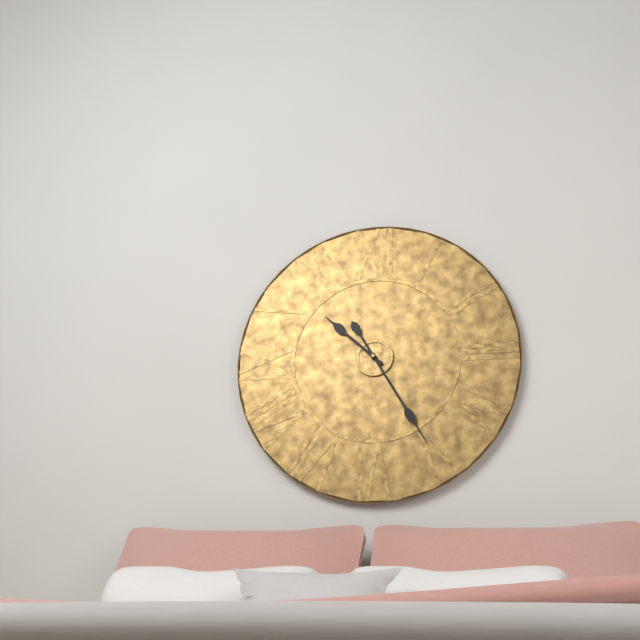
{"hour": 10, "minute": 25}
